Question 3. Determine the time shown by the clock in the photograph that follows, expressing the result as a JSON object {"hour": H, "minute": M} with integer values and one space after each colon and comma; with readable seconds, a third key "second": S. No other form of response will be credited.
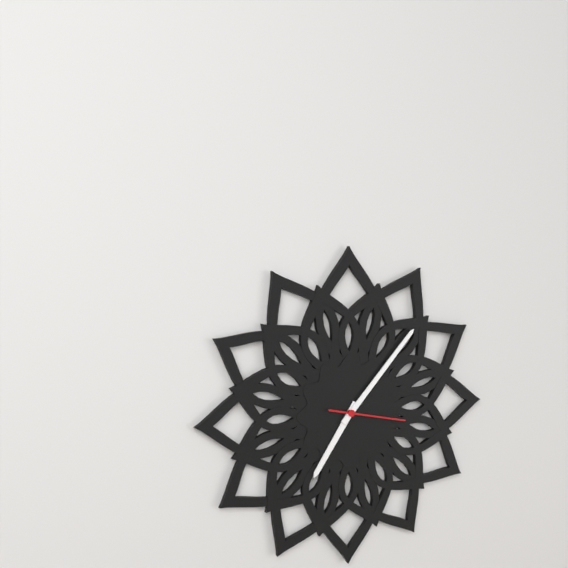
{"hour": 7, "minute": 7, "second": 17}
